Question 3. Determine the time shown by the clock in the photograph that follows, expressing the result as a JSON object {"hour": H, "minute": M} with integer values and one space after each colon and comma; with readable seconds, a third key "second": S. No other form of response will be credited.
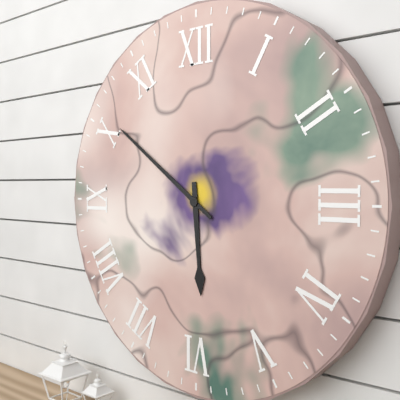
{"hour": 5, "minute": 51}
